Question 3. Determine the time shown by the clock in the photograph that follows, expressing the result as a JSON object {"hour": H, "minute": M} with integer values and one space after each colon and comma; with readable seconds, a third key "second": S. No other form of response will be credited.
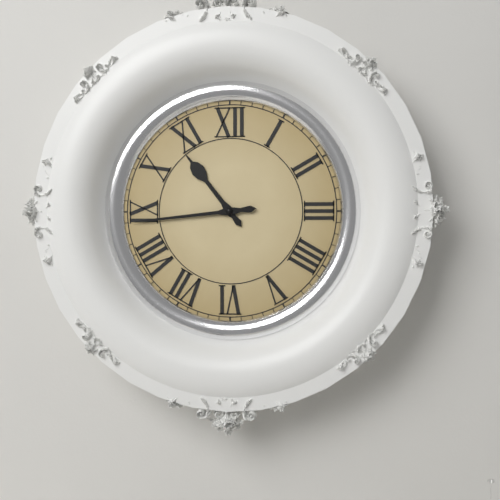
{"hour": 10, "minute": 44}
